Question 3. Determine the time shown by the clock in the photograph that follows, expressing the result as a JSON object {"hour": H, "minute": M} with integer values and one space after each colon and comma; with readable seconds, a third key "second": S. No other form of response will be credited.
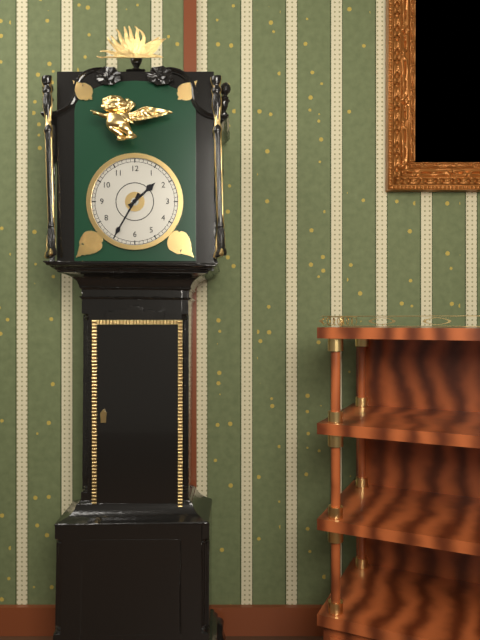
{"hour": 1, "minute": 35}
